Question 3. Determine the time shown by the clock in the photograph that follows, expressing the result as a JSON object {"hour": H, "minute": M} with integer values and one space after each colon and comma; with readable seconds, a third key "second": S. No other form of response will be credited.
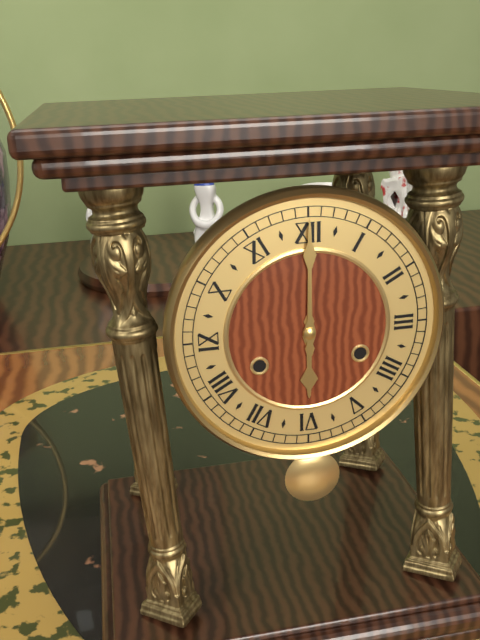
{"hour": 6, "minute": 0}
